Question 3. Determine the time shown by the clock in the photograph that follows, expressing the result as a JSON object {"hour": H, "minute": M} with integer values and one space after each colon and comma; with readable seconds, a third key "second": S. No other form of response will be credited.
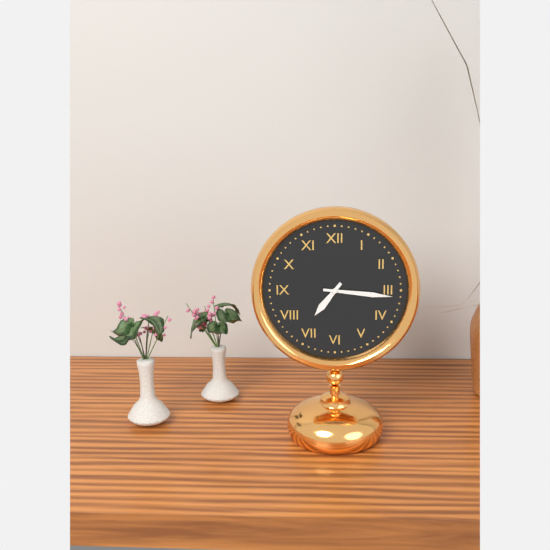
{"hour": 7, "minute": 16}
